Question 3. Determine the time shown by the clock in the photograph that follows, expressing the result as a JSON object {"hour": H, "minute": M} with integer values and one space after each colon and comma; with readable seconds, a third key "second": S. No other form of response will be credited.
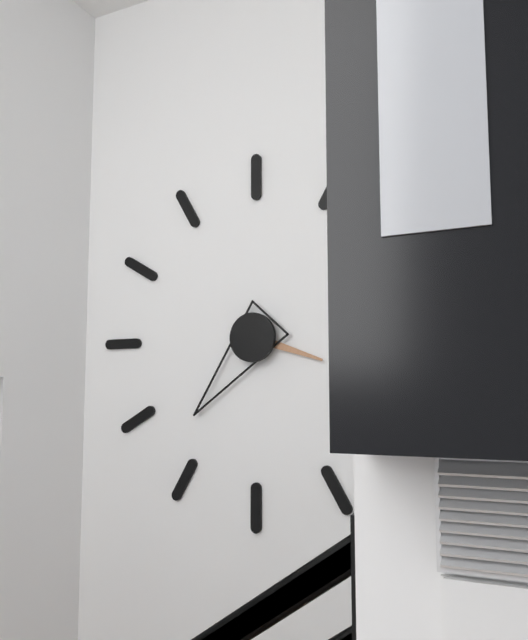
{"hour": 3, "minute": 37}
